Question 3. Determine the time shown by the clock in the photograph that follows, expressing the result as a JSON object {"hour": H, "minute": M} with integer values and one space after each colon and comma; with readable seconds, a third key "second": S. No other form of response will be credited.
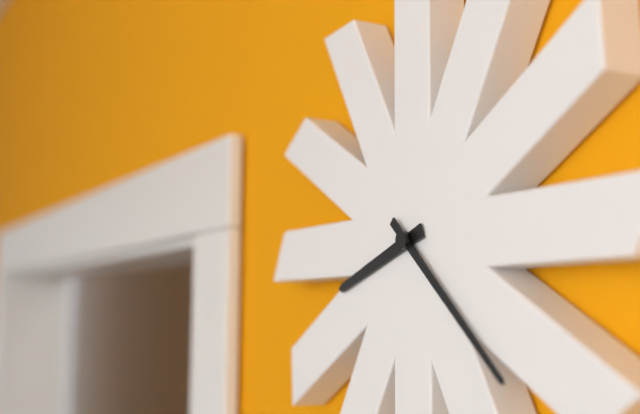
{"hour": 8, "minute": 22}
